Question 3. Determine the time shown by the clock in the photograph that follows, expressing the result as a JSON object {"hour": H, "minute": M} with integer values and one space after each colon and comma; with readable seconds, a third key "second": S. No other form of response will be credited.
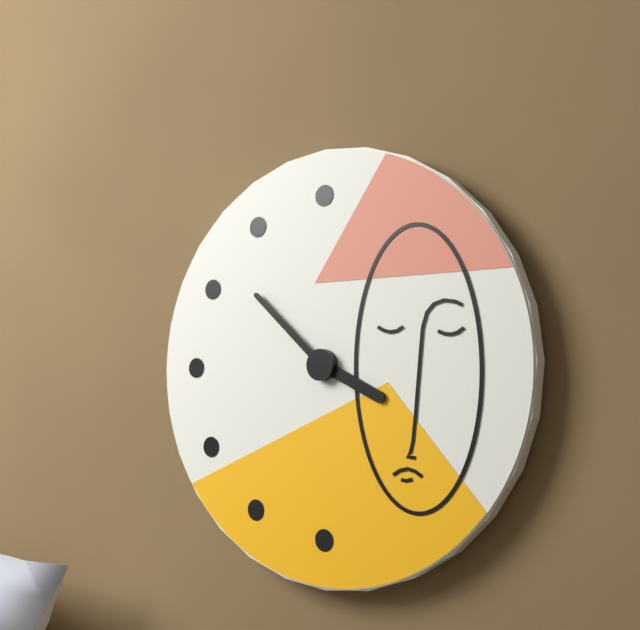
{"hour": 3, "minute": 52}
